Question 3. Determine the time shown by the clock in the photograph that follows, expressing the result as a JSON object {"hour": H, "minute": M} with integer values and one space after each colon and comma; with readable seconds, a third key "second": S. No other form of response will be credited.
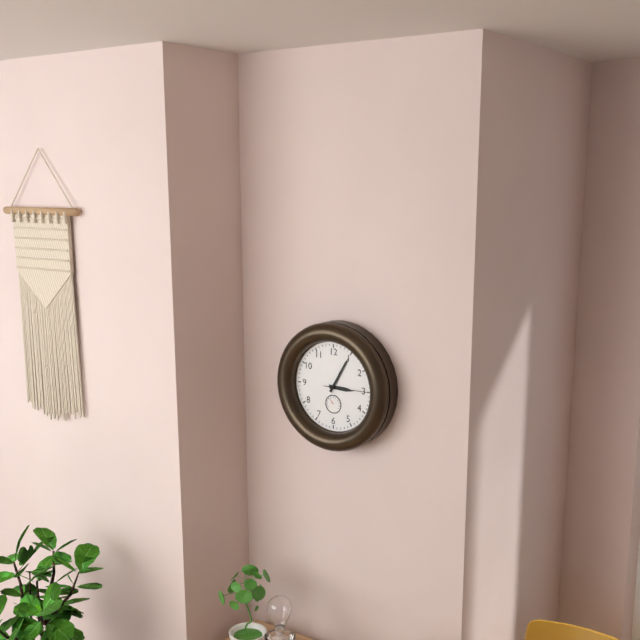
{"hour": 3, "minute": 5}
